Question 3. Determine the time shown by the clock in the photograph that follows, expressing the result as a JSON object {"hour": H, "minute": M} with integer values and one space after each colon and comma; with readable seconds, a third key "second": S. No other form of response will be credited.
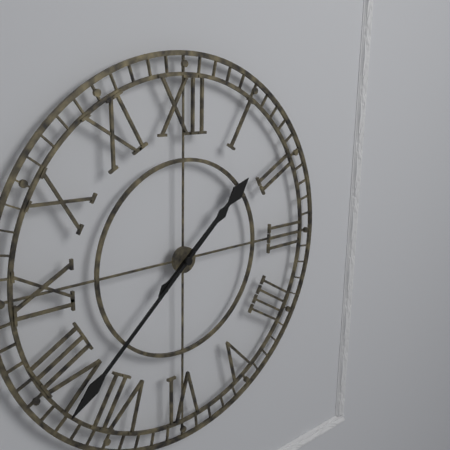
{"hour": 1, "minute": 38}
